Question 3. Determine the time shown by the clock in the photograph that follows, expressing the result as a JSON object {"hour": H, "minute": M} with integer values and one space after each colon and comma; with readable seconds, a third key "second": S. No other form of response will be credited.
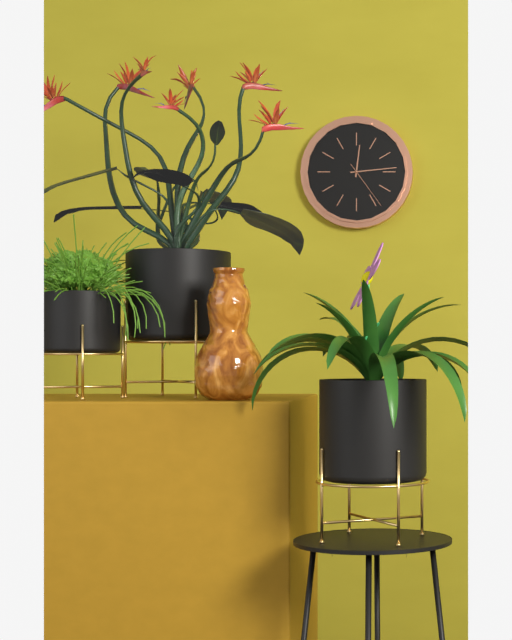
{"hour": 12, "minute": 14, "second": 24}
